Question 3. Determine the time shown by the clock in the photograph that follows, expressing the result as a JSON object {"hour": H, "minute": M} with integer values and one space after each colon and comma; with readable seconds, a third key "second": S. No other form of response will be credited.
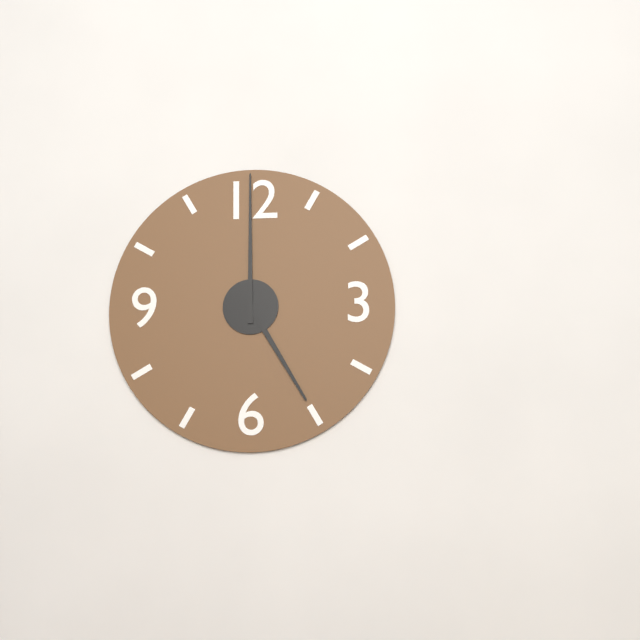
{"hour": 5, "minute": 0}
